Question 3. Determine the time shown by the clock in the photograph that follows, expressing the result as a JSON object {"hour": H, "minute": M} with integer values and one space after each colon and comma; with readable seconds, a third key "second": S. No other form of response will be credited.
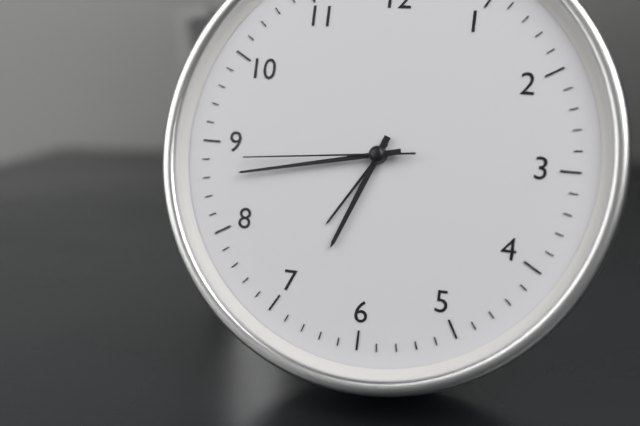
{"hour": 6, "minute": 43, "second": 44}
